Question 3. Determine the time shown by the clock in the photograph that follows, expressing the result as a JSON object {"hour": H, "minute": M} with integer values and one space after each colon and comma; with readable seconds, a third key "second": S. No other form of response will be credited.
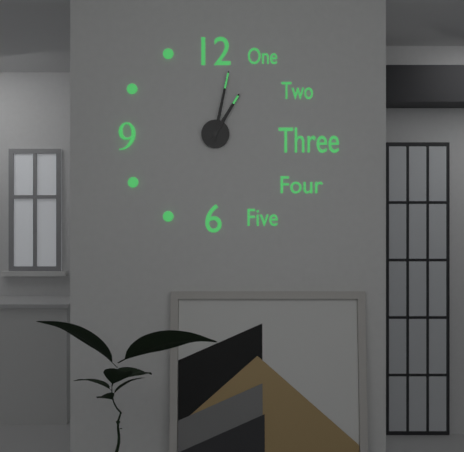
{"hour": 1, "minute": 2}
